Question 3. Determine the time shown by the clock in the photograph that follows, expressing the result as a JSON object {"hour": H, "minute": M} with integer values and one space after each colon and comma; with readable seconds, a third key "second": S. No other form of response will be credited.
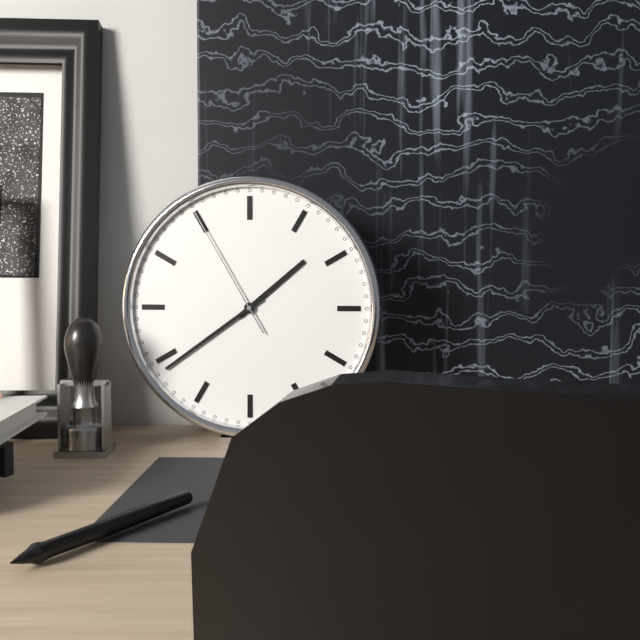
{"hour": 1, "minute": 39, "second": 55}
